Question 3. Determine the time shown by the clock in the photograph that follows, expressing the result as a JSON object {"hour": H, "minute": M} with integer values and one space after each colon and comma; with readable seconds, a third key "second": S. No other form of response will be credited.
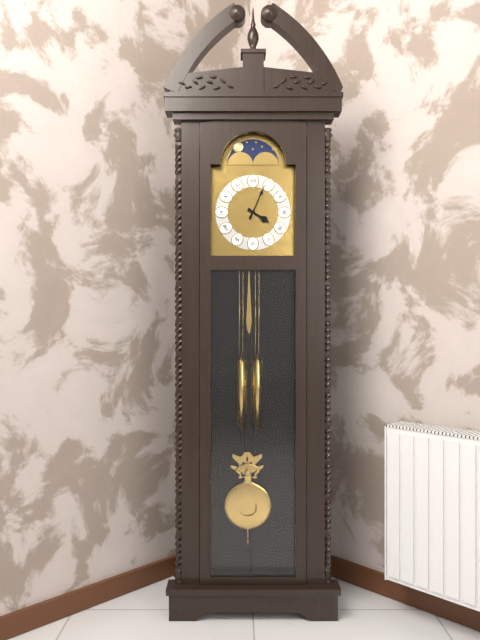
{"hour": 4, "minute": 4}
